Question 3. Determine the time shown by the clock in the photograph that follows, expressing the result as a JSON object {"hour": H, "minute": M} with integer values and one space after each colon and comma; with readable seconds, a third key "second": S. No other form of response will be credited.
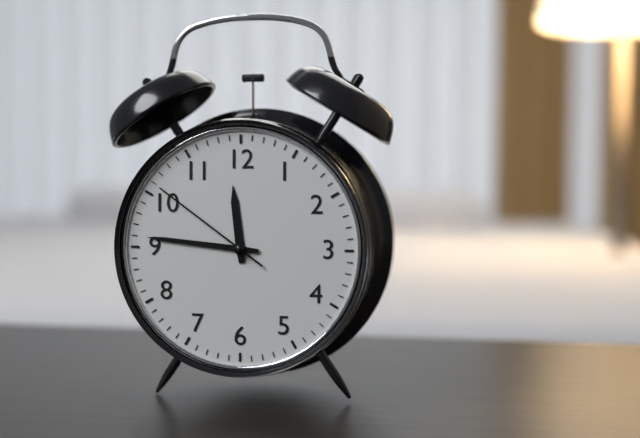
{"hour": 11, "minute": 46, "second": 51}
